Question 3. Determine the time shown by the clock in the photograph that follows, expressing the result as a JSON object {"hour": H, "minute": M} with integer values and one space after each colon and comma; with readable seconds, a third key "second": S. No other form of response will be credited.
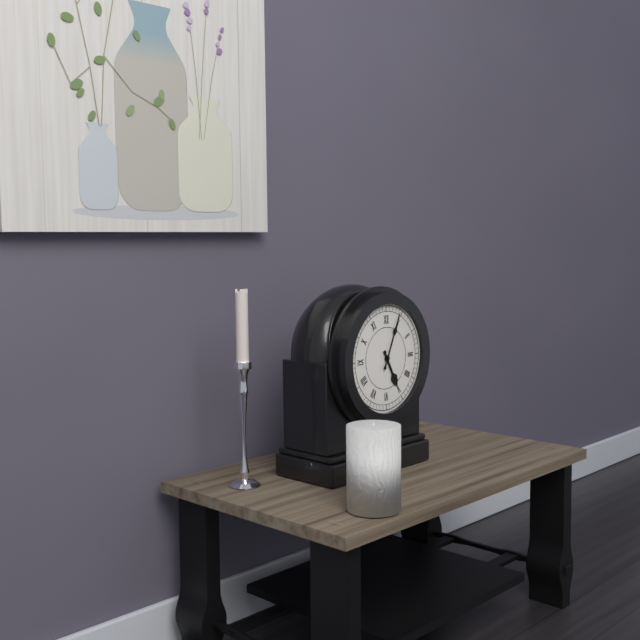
{"hour": 5, "minute": 4}
